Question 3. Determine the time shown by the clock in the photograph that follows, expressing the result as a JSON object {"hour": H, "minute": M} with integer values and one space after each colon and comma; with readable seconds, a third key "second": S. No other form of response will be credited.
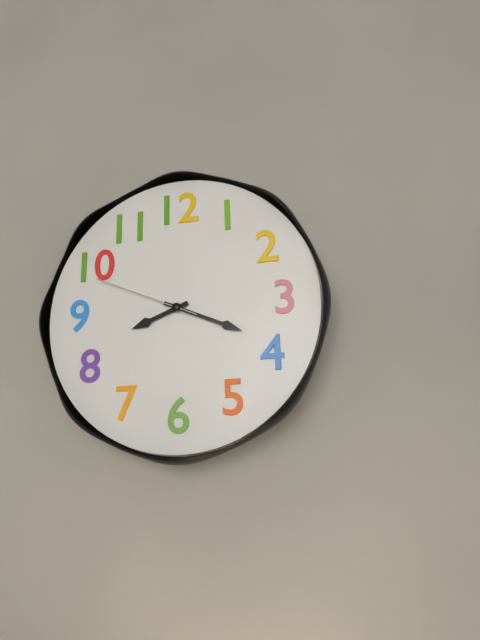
{"hour": 8, "minute": 19, "second": 49}
